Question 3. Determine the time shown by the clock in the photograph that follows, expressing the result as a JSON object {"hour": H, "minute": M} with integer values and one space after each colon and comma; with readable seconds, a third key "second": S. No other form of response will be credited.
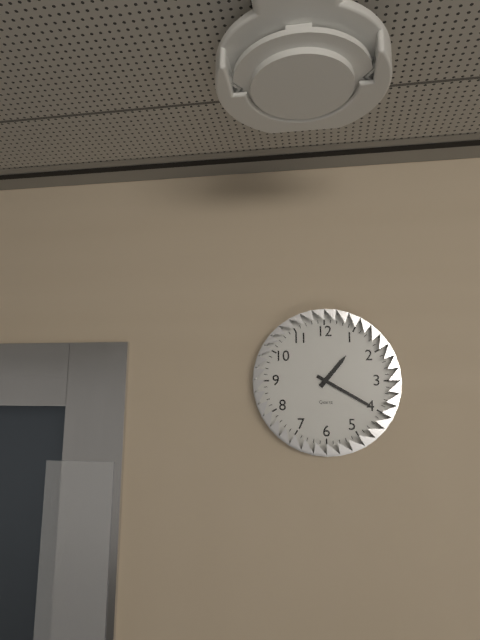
{"hour": 1, "minute": 20}
